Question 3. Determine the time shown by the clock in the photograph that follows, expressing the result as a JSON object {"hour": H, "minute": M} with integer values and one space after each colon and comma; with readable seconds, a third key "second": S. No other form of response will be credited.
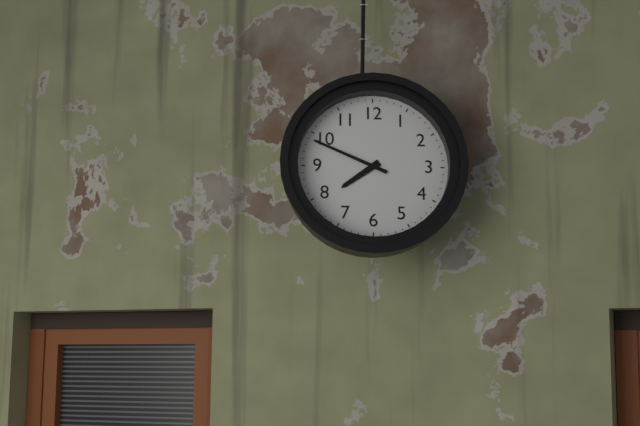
{"hour": 7, "minute": 49}
